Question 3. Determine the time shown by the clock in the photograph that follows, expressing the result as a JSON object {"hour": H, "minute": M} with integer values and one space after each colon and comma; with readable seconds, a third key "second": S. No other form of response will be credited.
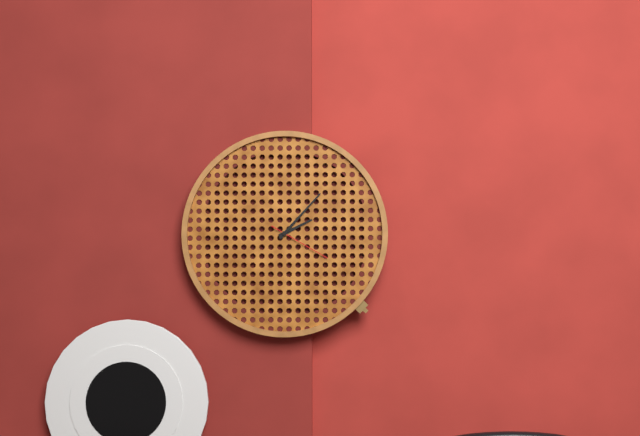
{"hour": 2, "minute": 7, "second": 20}
